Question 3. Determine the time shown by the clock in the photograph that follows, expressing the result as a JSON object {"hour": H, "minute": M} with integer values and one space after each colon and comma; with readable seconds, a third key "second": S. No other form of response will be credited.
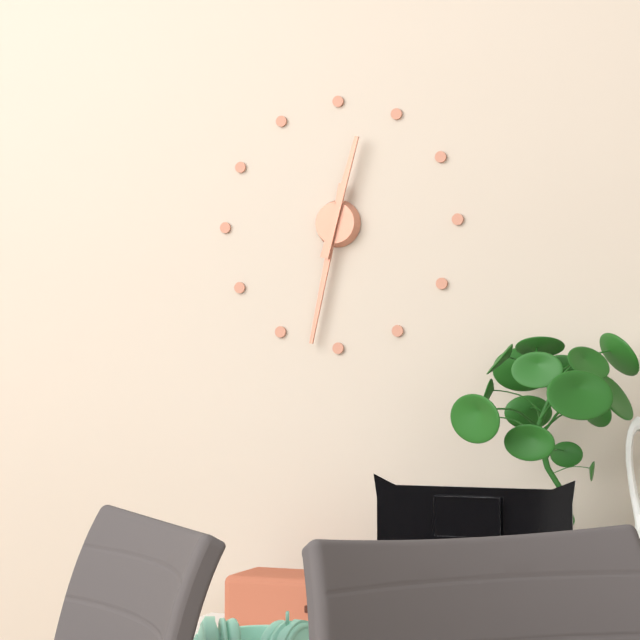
{"hour": 12, "minute": 32}
